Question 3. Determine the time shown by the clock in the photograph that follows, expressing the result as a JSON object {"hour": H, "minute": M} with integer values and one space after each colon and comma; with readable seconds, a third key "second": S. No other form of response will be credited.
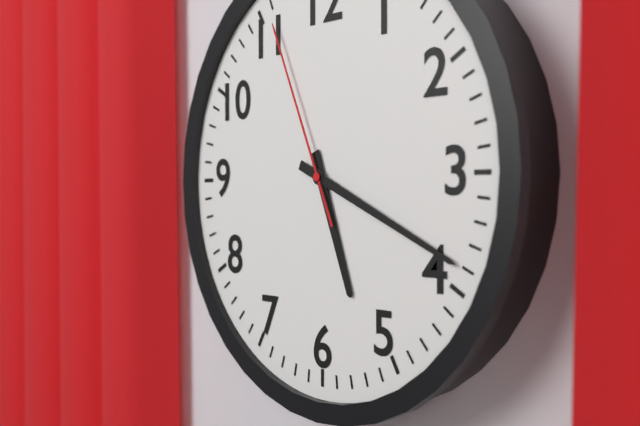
{"hour": 5, "minute": 19, "second": 56}
